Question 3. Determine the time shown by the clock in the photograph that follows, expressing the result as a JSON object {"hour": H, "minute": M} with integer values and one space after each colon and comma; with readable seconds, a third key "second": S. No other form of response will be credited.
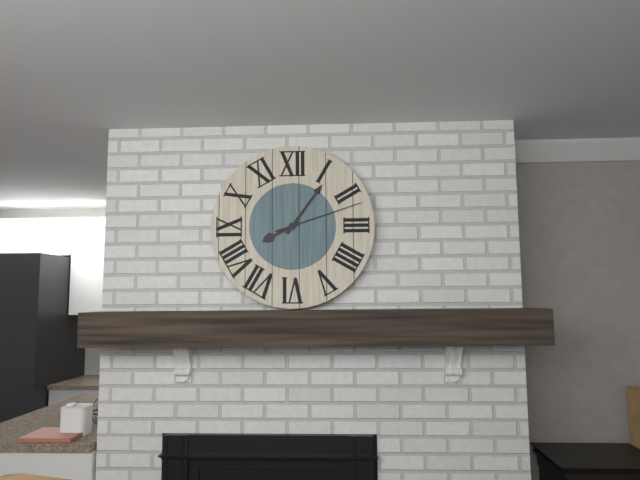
{"hour": 8, "minute": 6, "second": 12}
